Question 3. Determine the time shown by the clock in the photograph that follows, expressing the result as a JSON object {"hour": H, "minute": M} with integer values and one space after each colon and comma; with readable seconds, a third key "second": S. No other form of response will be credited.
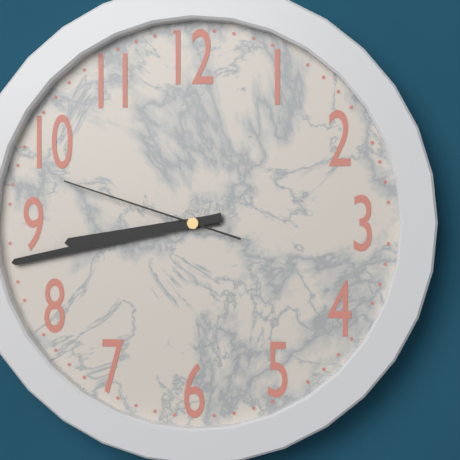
{"hour": 8, "minute": 43, "second": 48}
